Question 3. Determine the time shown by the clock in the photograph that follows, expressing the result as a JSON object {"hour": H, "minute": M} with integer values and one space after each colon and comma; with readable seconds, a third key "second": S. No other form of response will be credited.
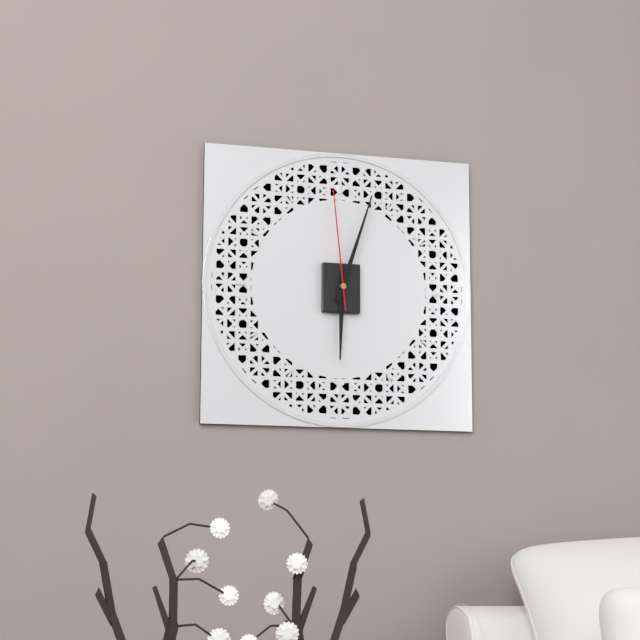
{"hour": 6, "minute": 3, "second": 59}
